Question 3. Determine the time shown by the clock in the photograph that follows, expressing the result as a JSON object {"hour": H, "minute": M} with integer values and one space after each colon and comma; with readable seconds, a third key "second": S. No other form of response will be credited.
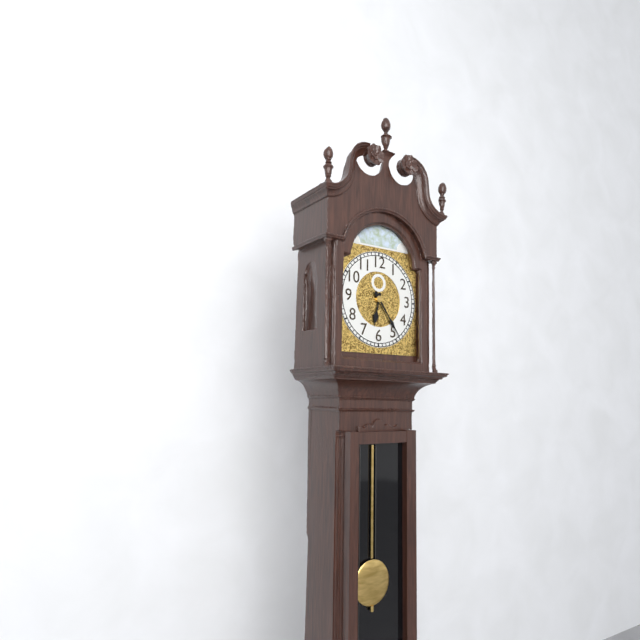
{"hour": 6, "minute": 24}
